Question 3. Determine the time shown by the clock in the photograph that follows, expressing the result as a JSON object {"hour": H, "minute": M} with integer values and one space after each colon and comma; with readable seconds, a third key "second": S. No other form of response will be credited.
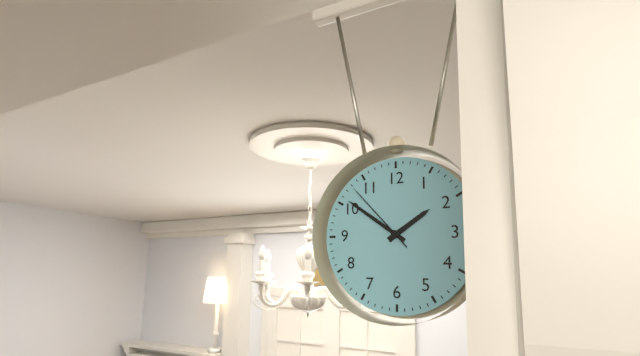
{"hour": 1, "minute": 51, "second": 53}
